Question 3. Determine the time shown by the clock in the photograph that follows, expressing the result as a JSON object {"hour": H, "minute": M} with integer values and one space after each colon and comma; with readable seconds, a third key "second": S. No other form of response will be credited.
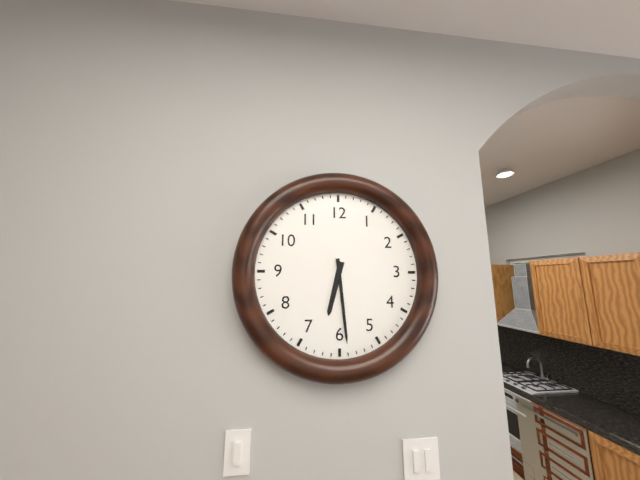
{"hour": 6, "minute": 29}
